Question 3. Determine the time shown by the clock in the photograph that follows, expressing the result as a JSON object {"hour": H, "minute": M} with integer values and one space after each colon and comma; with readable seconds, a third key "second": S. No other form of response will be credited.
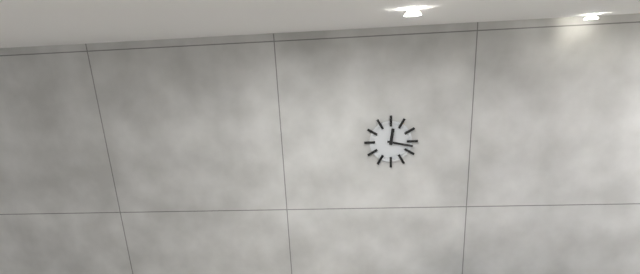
{"hour": 12, "minute": 17}
